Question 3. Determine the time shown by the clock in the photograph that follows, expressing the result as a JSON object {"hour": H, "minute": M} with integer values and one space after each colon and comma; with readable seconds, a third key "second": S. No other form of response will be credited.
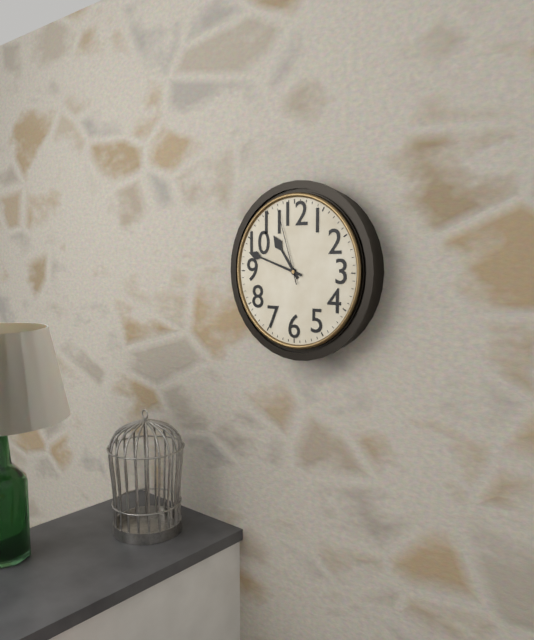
{"hour": 10, "minute": 48, "second": 57}
